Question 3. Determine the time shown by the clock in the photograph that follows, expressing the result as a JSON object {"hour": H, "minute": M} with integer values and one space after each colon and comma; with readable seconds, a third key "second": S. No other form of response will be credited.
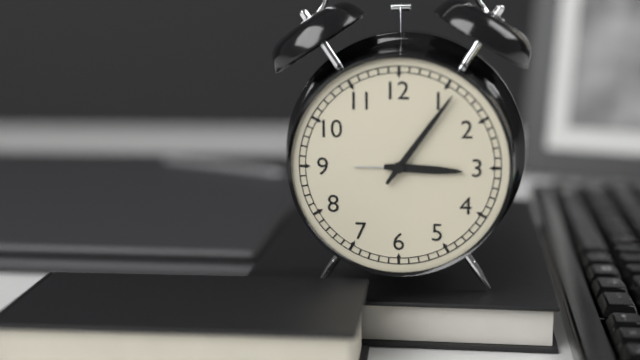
{"hour": 3, "minute": 6}
